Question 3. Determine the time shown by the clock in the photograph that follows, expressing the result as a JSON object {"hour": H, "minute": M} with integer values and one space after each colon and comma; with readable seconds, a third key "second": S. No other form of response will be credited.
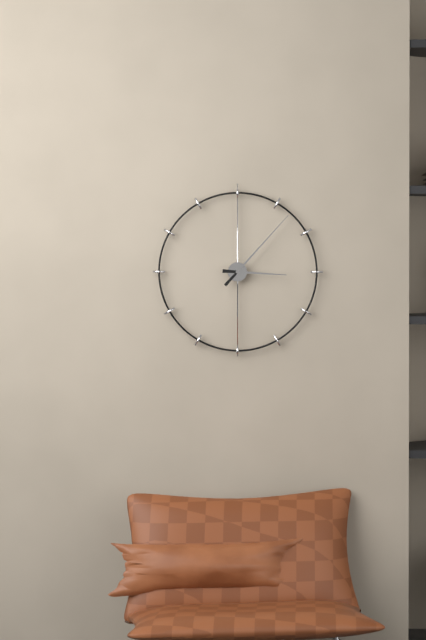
{"hour": 3, "minute": 7}
